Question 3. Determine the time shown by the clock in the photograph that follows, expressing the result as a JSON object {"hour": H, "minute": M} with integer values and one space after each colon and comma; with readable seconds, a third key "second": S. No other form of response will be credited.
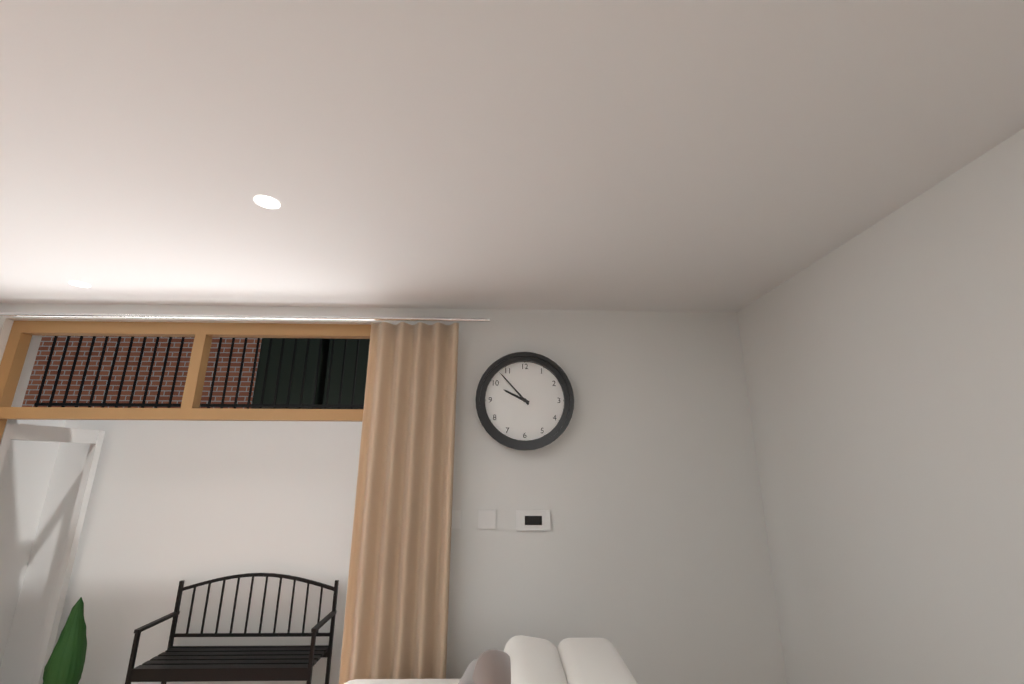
{"hour": 9, "minute": 53}
